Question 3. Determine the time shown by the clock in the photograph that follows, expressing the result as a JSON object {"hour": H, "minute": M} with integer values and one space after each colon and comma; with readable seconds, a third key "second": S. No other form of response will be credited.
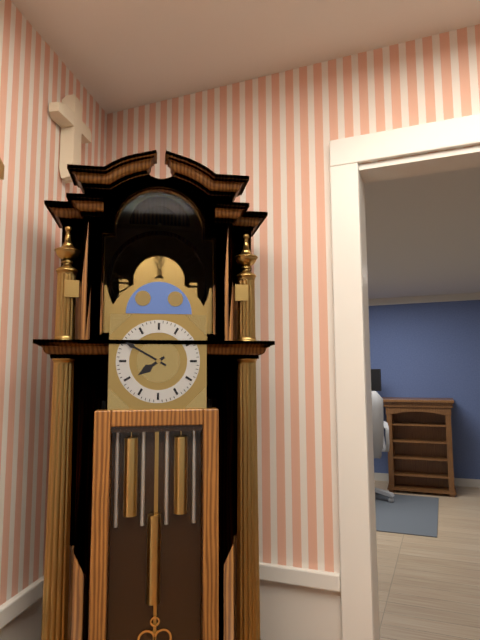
{"hour": 7, "minute": 50}
